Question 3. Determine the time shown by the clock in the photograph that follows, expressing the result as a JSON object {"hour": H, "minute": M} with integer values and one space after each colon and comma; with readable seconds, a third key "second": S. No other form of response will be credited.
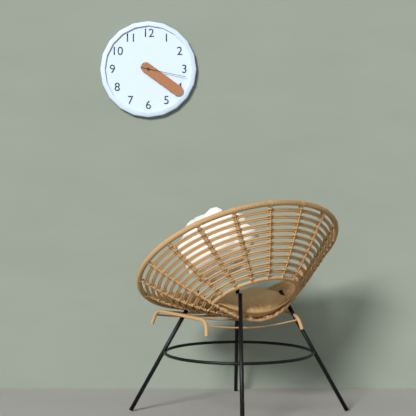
{"hour": 4, "minute": 21}
